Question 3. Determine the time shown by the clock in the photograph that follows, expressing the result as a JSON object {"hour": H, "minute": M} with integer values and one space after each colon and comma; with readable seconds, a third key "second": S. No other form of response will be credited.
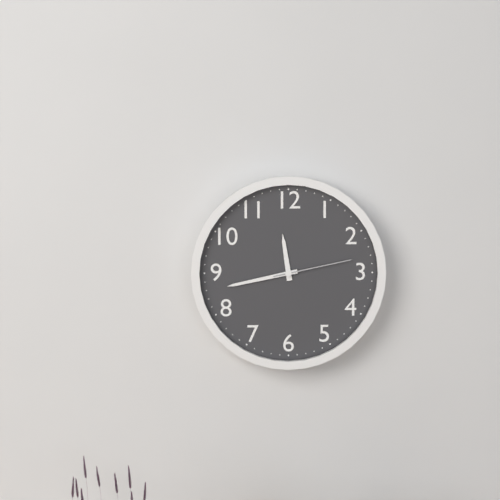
{"hour": 11, "minute": 43, "second": 13}
